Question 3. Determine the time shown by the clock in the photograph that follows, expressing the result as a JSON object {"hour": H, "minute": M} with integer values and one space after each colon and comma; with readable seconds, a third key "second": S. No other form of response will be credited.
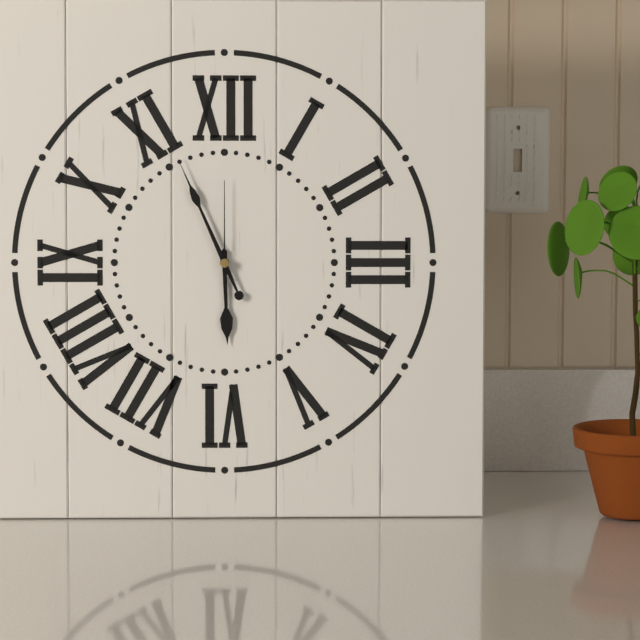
{"hour": 5, "minute": 56, "second": 0}
